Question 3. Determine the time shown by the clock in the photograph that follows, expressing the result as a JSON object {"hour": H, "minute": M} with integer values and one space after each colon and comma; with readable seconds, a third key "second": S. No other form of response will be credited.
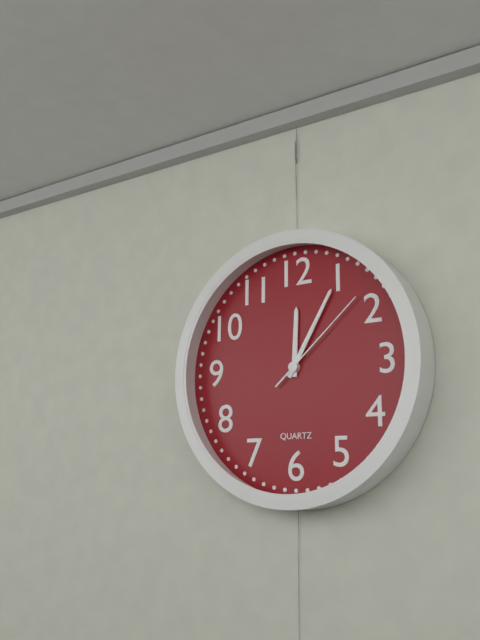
{"hour": 12, "minute": 5, "second": 8}
